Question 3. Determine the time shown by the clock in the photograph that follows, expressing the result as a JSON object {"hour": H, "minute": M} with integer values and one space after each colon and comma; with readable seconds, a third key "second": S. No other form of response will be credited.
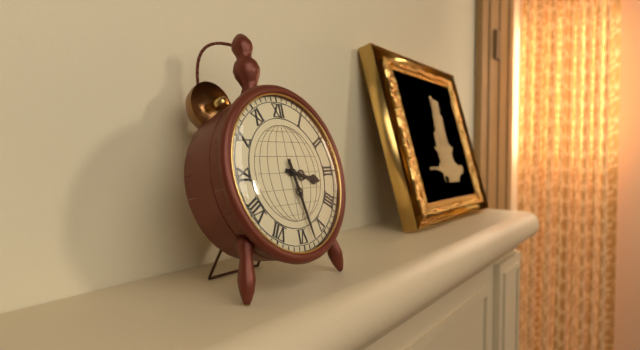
{"hour": 3, "minute": 28}
